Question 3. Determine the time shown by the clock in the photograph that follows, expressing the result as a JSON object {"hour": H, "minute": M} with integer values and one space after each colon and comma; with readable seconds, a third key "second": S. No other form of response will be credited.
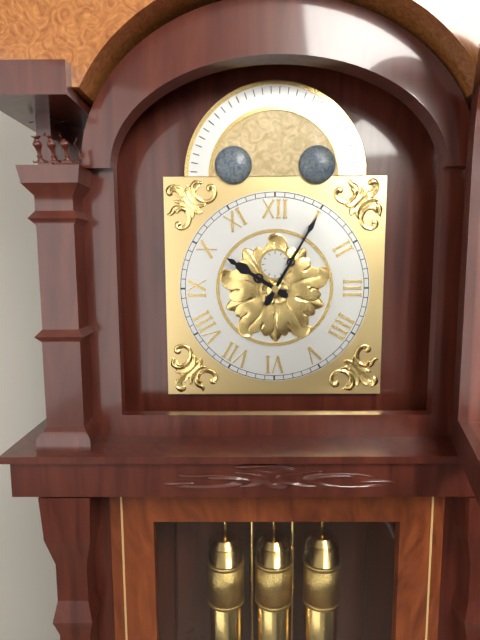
{"hour": 10, "minute": 5}
